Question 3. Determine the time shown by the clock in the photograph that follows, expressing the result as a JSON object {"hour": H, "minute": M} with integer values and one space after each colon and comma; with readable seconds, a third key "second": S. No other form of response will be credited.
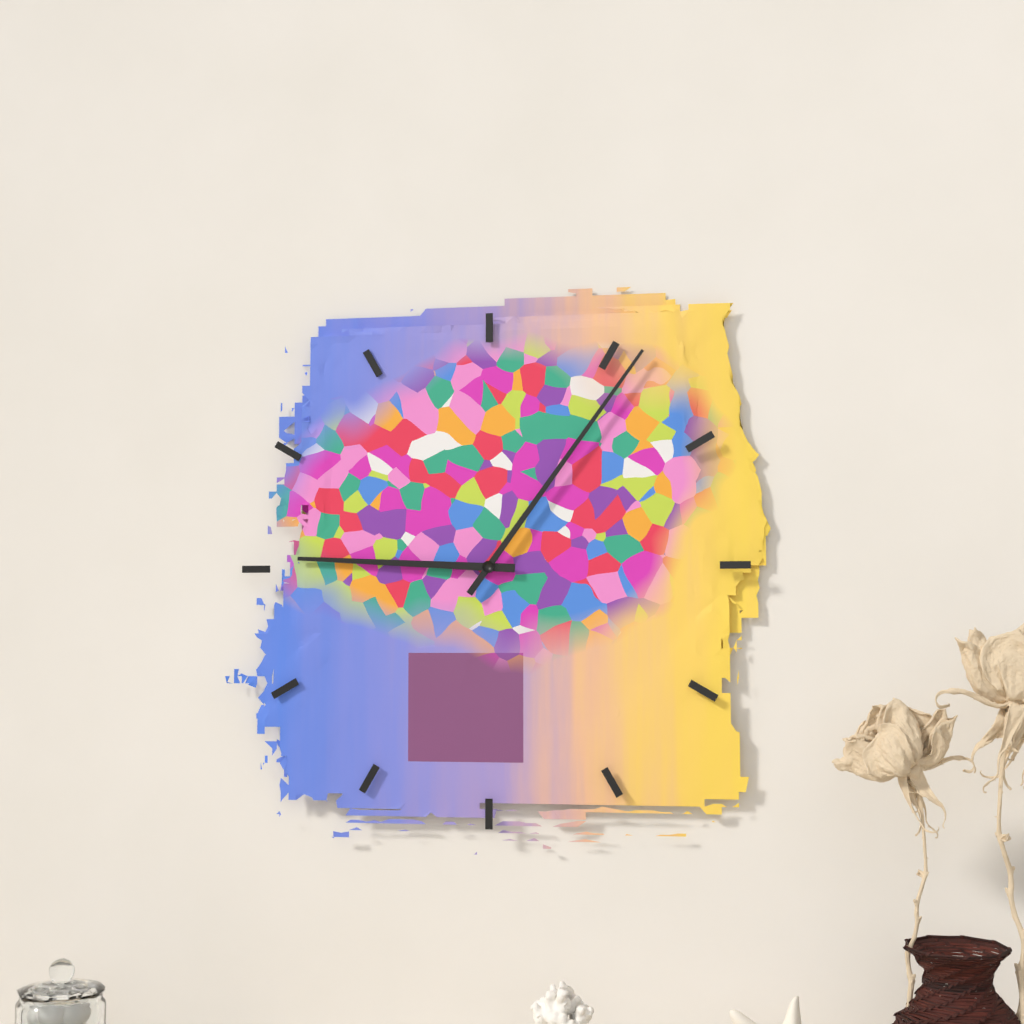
{"hour": 9, "minute": 6}
